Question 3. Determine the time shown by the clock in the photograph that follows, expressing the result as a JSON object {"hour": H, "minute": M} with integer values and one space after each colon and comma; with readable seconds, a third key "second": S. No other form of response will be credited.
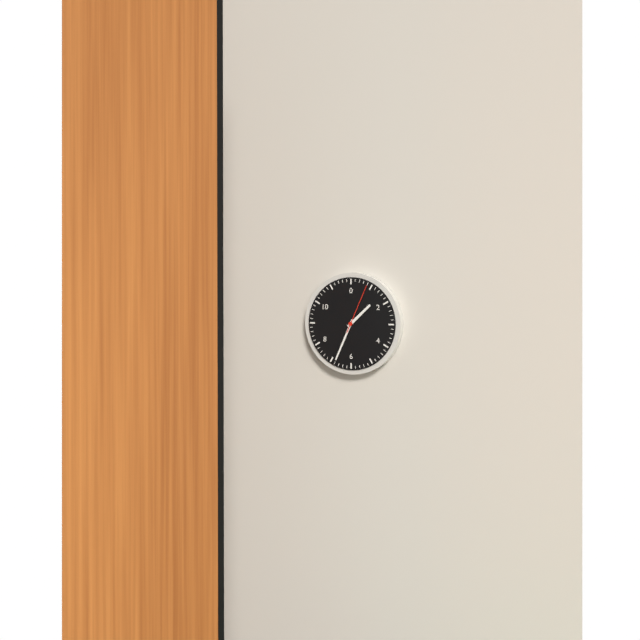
{"hour": 1, "minute": 34, "second": 4}
